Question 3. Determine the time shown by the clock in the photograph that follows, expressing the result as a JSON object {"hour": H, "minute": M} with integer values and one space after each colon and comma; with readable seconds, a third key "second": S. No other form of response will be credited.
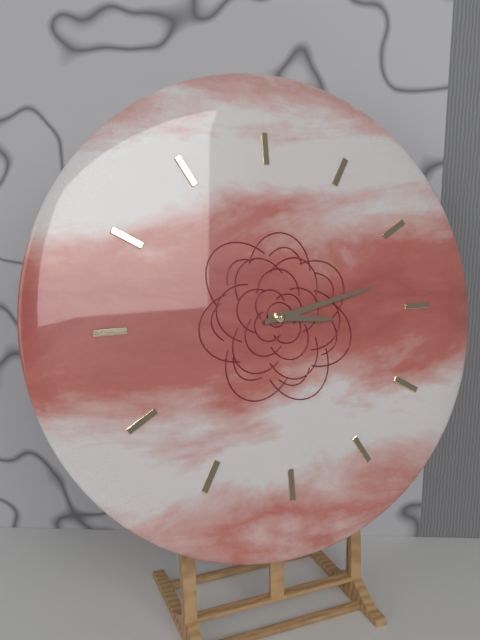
{"hour": 3, "minute": 13}
